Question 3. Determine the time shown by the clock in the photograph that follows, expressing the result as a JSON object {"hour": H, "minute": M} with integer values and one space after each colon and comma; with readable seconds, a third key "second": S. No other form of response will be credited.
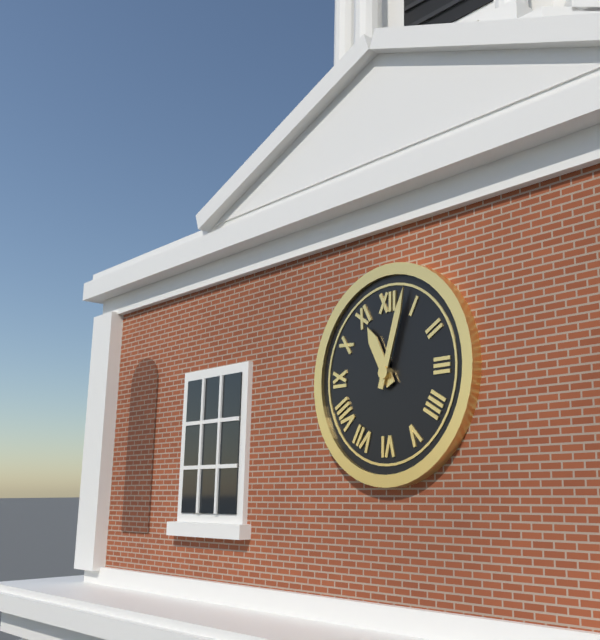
{"hour": 11, "minute": 3}
